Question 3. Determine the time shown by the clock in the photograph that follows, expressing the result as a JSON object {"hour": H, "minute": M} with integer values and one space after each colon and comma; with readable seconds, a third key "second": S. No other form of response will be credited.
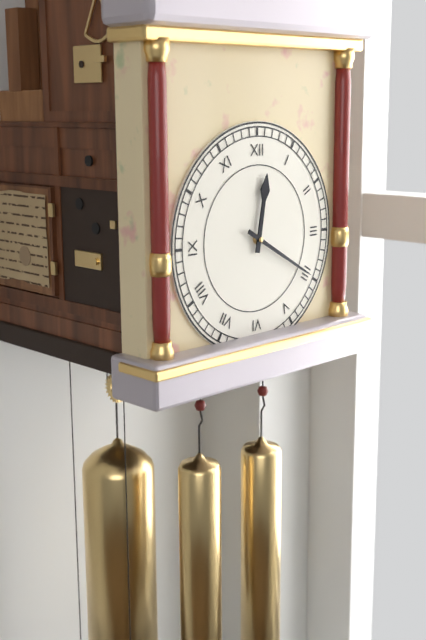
{"hour": 12, "minute": 20}
